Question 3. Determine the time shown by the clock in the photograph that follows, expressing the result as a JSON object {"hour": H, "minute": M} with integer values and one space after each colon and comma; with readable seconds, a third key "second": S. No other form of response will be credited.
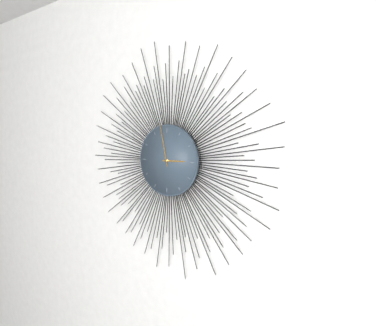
{"hour": 2, "minute": 58}
